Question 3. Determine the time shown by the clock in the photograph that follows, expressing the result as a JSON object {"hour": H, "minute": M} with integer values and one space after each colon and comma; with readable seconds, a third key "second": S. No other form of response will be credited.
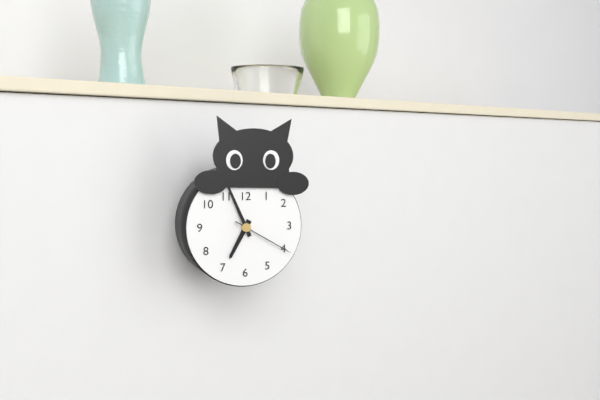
{"hour": 6, "minute": 56, "second": 20}
